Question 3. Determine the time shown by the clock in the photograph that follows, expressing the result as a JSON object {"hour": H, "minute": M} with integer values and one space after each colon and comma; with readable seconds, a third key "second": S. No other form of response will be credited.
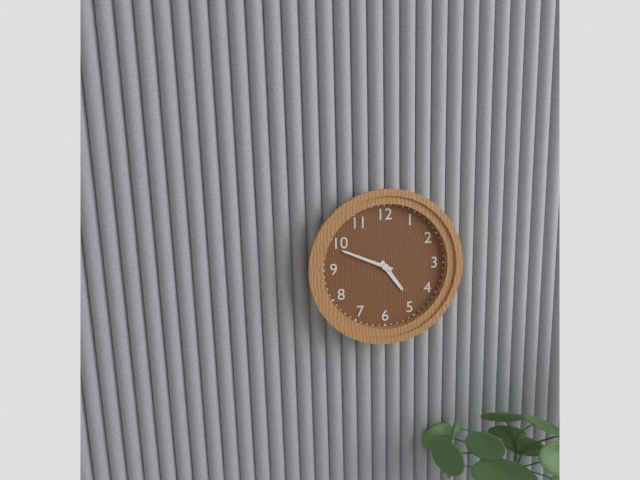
{"hour": 4, "minute": 49}
